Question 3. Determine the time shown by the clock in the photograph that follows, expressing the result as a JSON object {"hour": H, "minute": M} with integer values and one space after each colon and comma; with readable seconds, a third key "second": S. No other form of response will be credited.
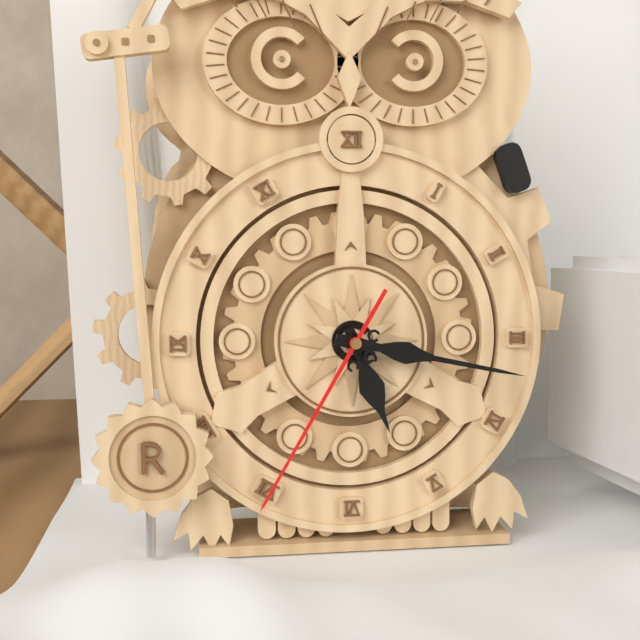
{"hour": 5, "minute": 17, "second": 35}
